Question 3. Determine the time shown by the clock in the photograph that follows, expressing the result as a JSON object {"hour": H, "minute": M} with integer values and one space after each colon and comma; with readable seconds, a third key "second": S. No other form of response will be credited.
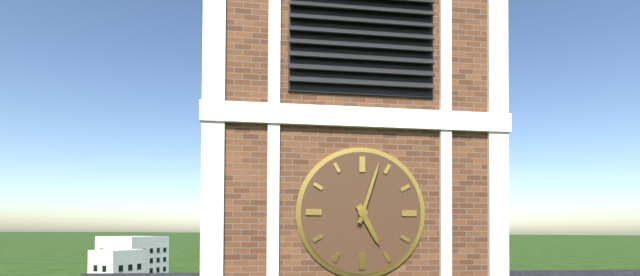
{"hour": 5, "minute": 3}
